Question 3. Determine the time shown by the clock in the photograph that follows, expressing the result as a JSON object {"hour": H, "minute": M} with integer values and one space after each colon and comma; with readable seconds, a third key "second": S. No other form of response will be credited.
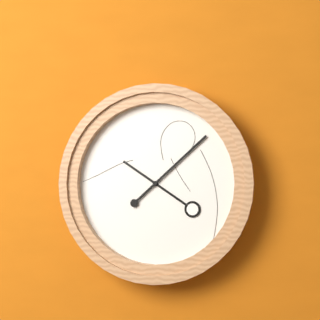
{"hour": 10, "minute": 8}
